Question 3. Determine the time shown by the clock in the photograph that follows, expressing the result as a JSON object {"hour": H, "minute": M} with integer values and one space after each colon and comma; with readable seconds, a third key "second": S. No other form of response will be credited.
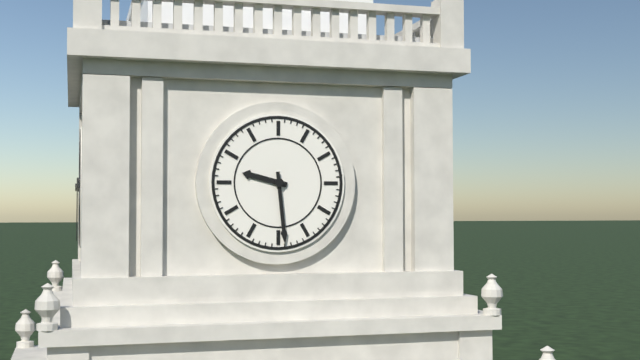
{"hour": 9, "minute": 29}
